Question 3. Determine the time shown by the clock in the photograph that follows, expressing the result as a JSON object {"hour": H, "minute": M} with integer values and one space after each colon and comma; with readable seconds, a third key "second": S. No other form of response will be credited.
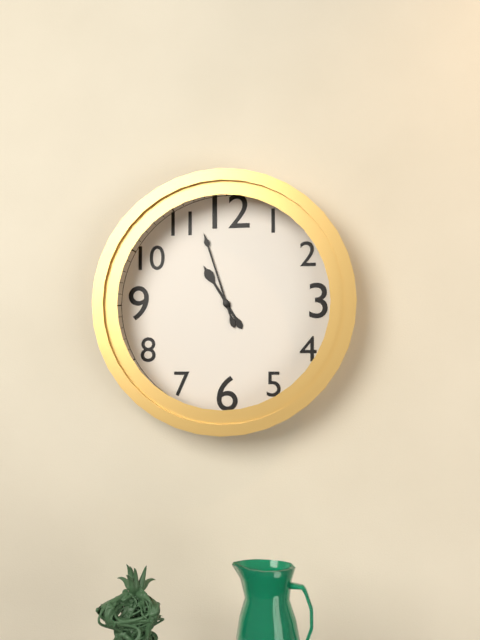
{"hour": 10, "minute": 57}
